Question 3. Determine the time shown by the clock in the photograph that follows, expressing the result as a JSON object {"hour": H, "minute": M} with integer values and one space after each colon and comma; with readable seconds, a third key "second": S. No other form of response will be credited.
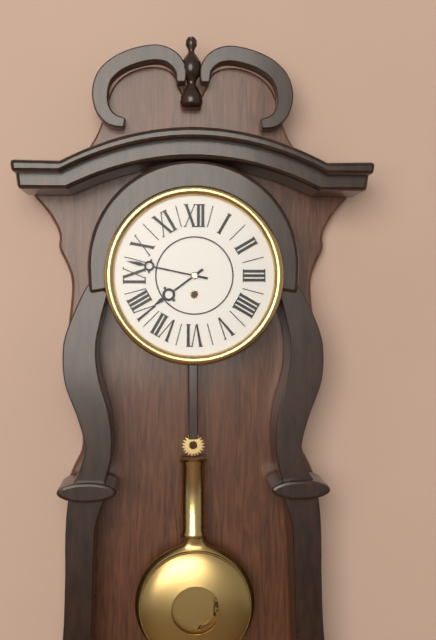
{"hour": 7, "minute": 47}
